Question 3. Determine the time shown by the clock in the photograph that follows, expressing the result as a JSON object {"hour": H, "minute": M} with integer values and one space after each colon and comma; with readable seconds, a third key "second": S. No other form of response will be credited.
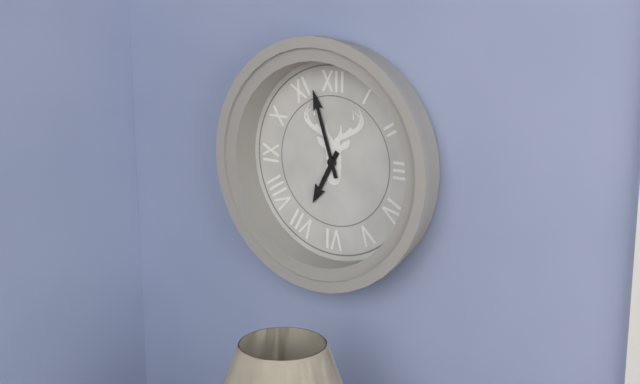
{"hour": 6, "minute": 57}
